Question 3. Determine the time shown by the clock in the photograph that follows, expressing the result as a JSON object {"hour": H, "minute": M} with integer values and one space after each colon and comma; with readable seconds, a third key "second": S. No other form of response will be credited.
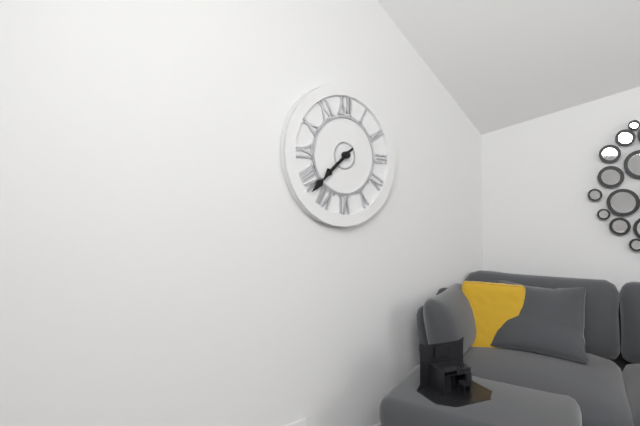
{"hour": 7, "minute": 38}
